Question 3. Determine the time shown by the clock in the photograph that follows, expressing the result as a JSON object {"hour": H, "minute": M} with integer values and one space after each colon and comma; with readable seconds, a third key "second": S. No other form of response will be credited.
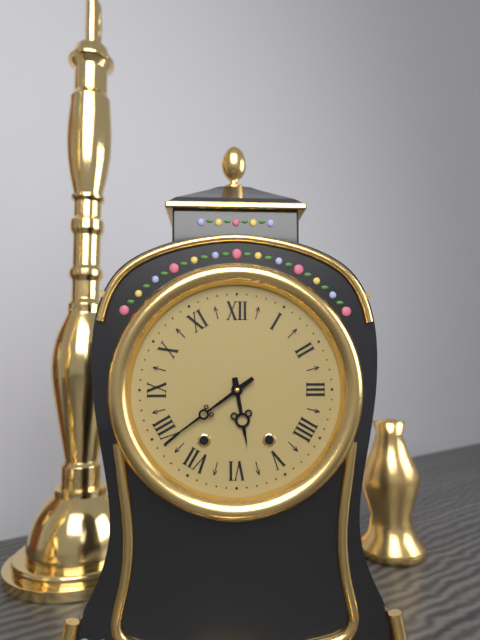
{"hour": 5, "minute": 39}
